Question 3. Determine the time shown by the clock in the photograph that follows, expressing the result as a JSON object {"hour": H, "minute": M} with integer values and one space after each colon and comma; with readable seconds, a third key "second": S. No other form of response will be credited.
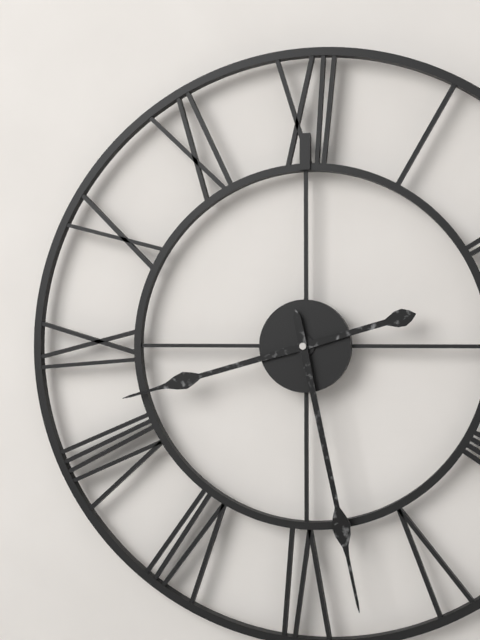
{"hour": 8, "minute": 28}
